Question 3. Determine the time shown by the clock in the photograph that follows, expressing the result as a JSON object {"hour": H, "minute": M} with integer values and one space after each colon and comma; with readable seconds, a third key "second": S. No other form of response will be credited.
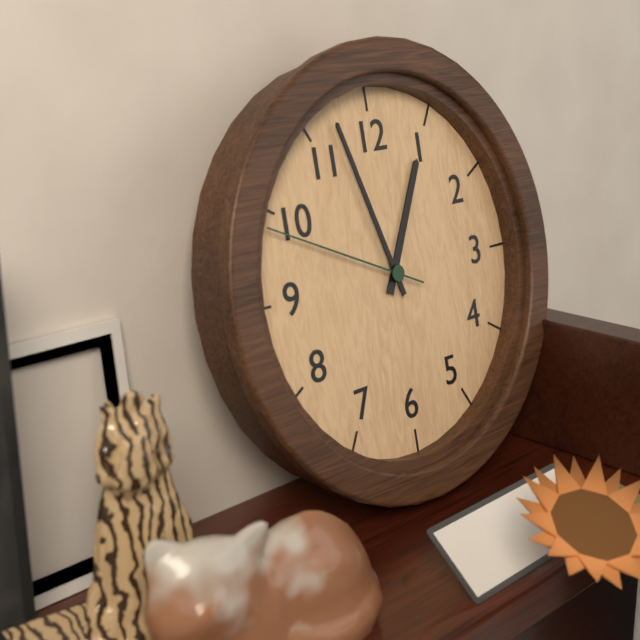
{"hour": 12, "minute": 57, "second": 49}
